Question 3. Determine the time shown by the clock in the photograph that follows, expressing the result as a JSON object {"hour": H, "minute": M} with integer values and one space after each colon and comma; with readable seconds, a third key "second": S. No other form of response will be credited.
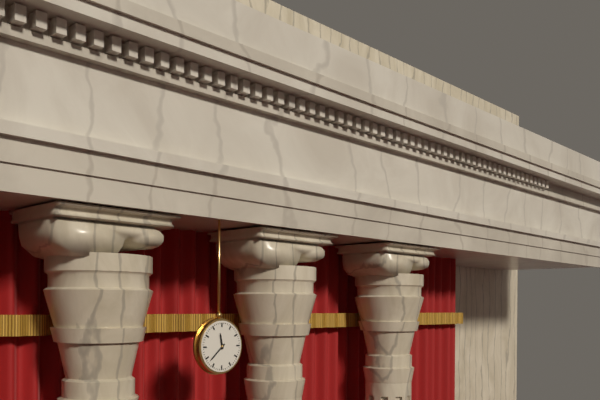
{"hour": 11, "minute": 38}
